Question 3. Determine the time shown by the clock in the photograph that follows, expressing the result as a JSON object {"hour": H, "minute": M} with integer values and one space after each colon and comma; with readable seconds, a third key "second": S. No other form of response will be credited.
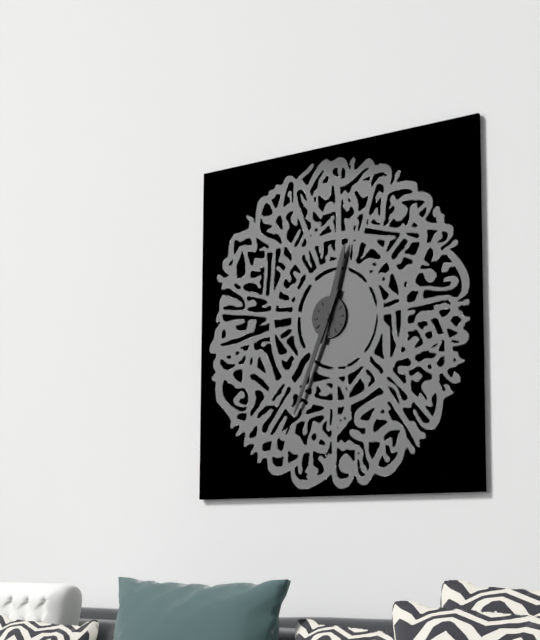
{"hour": 12, "minute": 34}
